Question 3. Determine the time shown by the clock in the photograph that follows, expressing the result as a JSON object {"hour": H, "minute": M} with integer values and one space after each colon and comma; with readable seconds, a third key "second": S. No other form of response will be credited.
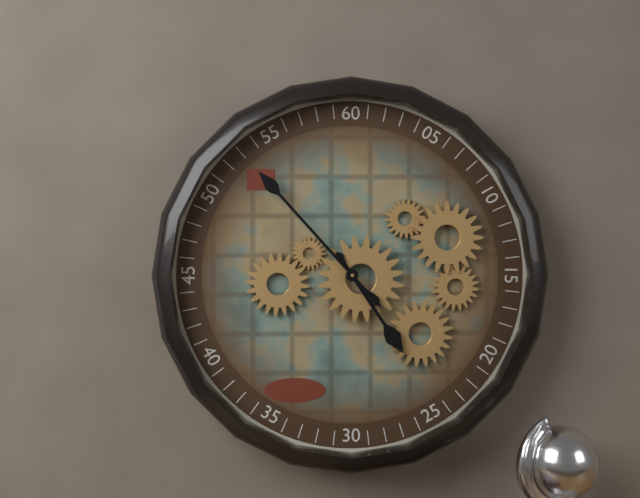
{"hour": 4, "minute": 53}
